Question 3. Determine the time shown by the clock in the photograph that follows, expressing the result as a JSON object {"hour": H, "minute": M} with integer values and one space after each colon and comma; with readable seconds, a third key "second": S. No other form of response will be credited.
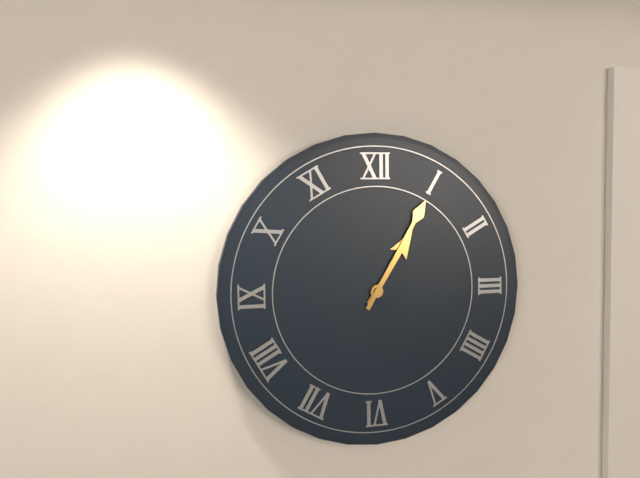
{"hour": 1, "minute": 5}
